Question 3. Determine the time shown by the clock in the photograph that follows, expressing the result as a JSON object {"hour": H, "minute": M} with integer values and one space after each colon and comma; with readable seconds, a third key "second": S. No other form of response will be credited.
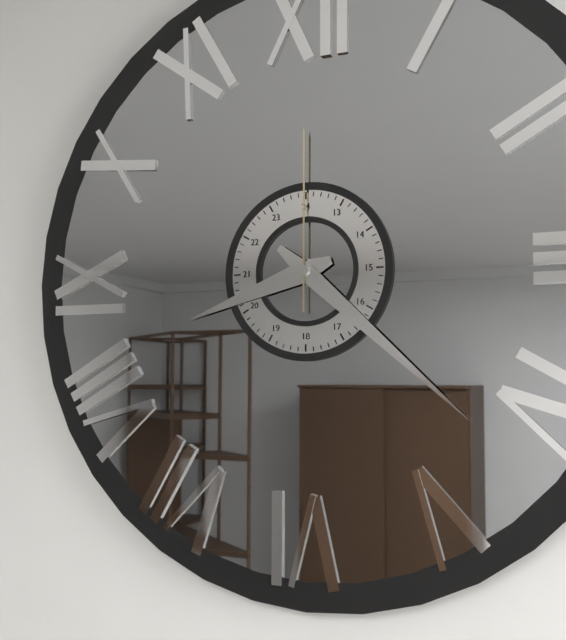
{"hour": 8, "minute": 22, "second": 0}
